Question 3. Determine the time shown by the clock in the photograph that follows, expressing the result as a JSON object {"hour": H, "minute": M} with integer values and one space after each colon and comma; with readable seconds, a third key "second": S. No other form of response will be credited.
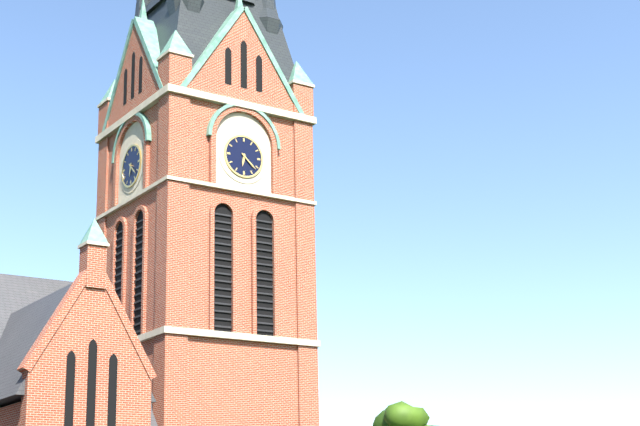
{"hour": 6, "minute": 22}
